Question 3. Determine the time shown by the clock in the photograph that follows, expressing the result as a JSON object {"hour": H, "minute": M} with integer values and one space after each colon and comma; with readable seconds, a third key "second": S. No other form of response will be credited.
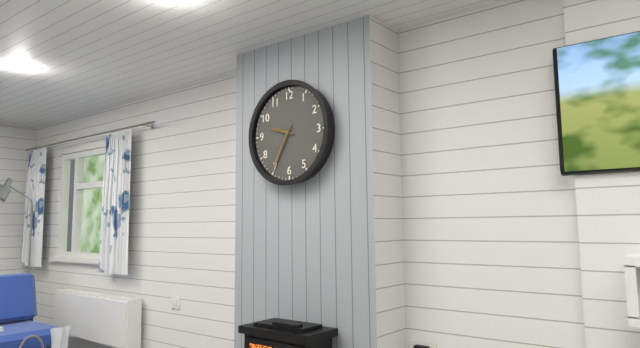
{"hour": 9, "minute": 35}
